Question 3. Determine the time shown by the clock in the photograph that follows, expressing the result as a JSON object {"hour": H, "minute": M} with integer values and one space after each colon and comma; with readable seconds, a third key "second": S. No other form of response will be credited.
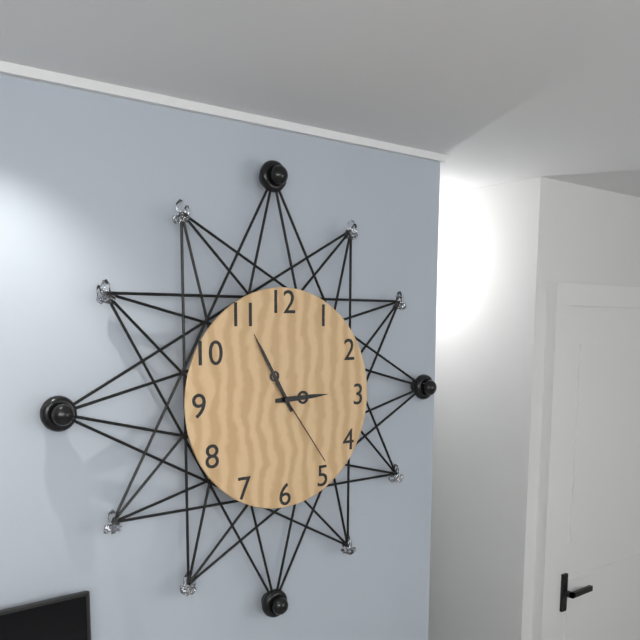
{"hour": 2, "minute": 55, "second": 24}
